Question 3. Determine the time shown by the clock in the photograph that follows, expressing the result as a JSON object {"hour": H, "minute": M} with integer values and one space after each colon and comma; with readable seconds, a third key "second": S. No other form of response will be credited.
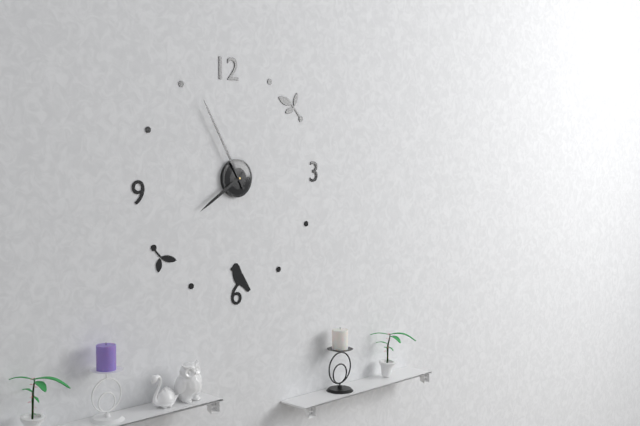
{"hour": 7, "minute": 55}
